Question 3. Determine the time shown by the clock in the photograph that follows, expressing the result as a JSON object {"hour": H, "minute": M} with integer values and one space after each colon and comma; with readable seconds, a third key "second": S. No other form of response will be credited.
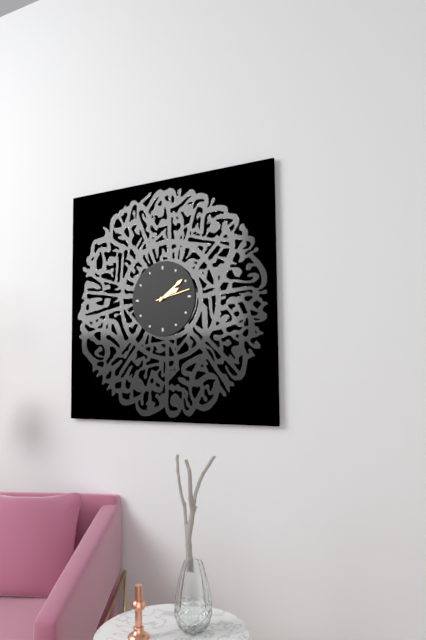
{"hour": 2, "minute": 9}
